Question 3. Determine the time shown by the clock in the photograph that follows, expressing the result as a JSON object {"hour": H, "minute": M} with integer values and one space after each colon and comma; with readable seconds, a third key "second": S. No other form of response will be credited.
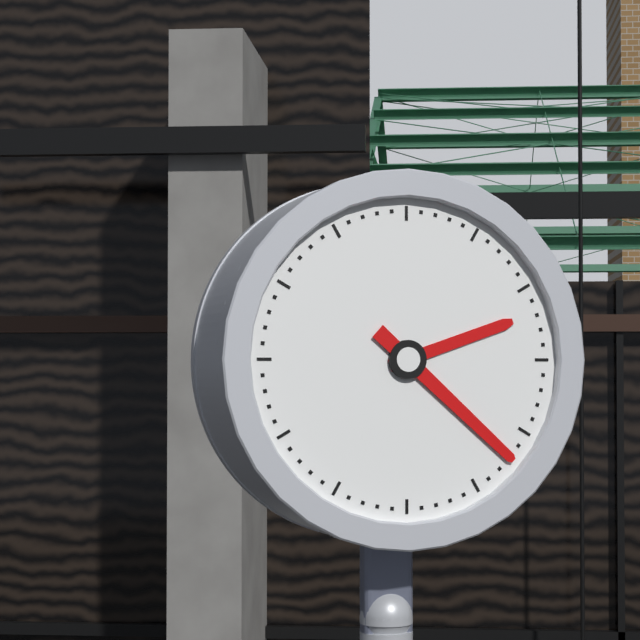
{"hour": 2, "minute": 22}
